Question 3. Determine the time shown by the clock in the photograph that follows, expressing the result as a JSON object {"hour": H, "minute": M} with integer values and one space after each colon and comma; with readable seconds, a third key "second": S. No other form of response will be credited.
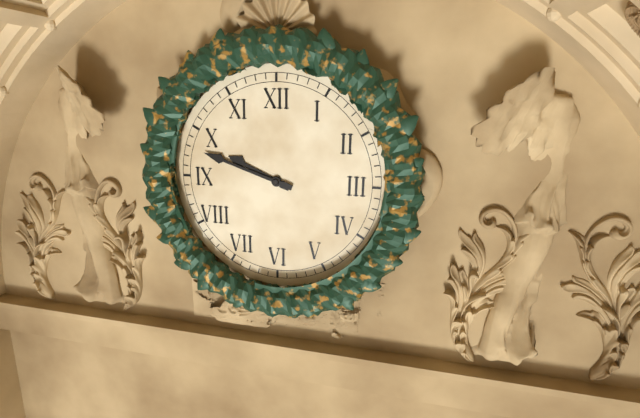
{"hour": 9, "minute": 48}
